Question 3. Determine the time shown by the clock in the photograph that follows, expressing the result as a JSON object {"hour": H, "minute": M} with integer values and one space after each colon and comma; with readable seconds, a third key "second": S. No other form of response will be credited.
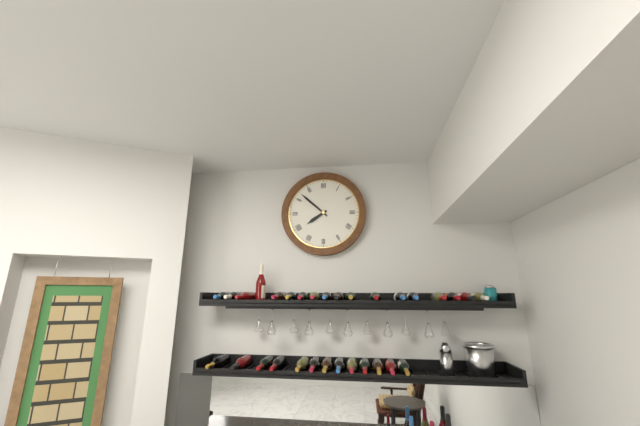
{"hour": 7, "minute": 52}
